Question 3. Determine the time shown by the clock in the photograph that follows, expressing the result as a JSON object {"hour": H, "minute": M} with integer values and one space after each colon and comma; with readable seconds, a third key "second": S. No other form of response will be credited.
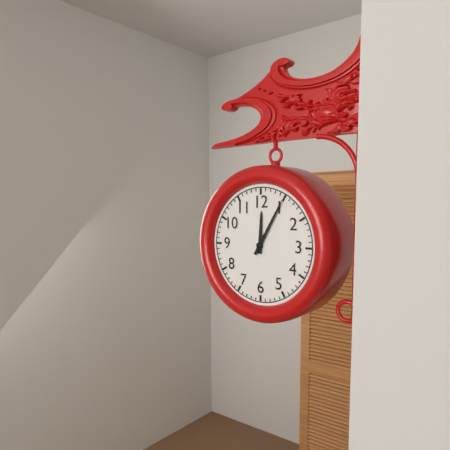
{"hour": 12, "minute": 5}
